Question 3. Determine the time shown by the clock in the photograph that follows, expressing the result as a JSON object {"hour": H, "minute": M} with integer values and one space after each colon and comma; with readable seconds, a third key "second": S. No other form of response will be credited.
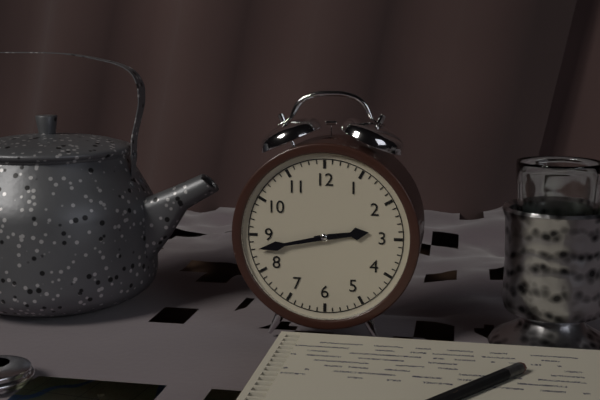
{"hour": 2, "minute": 43}
